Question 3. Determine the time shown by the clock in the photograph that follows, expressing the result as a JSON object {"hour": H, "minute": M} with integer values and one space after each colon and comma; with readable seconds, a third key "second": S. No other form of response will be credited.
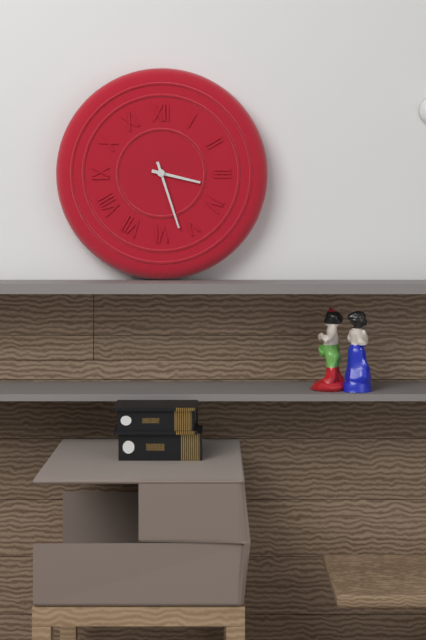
{"hour": 3, "minute": 27}
